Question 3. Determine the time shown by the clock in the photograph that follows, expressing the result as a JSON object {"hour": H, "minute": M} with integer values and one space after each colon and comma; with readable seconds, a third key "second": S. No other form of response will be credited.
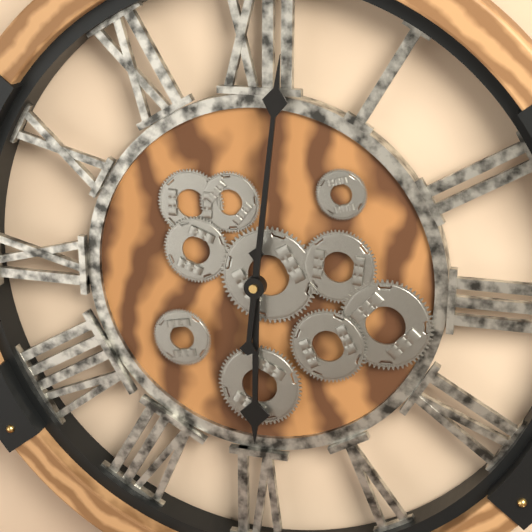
{"hour": 6, "minute": 1}
